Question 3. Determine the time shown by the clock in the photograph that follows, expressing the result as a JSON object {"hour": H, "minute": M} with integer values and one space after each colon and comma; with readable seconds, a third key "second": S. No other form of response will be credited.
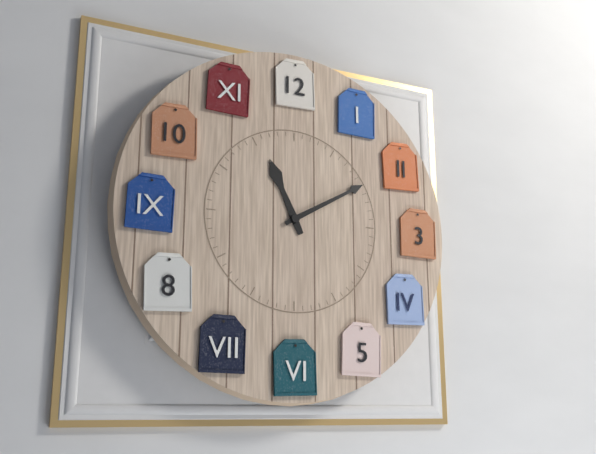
{"hour": 11, "minute": 10}
